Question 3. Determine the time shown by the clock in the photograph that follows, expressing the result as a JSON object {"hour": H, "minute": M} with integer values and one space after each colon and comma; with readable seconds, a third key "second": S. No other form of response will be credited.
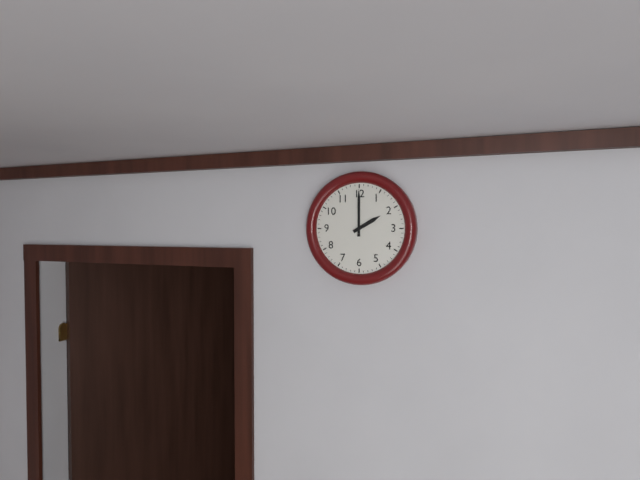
{"hour": 2, "minute": 0}
